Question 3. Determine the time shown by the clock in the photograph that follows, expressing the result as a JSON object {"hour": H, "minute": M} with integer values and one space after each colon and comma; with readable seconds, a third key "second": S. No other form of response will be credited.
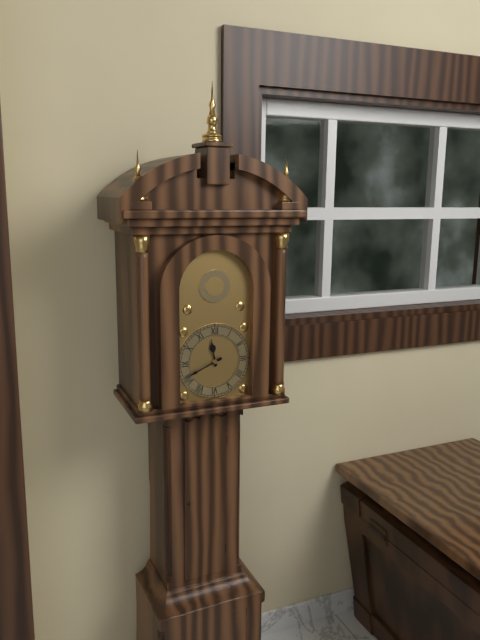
{"hour": 11, "minute": 41}
